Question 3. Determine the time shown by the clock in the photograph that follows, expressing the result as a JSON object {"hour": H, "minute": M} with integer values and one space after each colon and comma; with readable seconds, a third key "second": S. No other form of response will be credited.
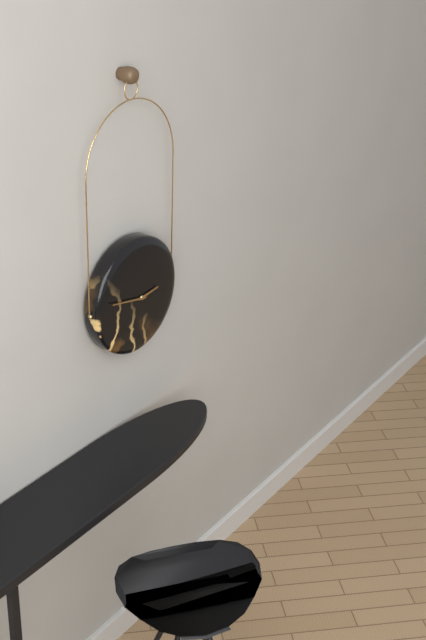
{"hour": 2, "minute": 47}
